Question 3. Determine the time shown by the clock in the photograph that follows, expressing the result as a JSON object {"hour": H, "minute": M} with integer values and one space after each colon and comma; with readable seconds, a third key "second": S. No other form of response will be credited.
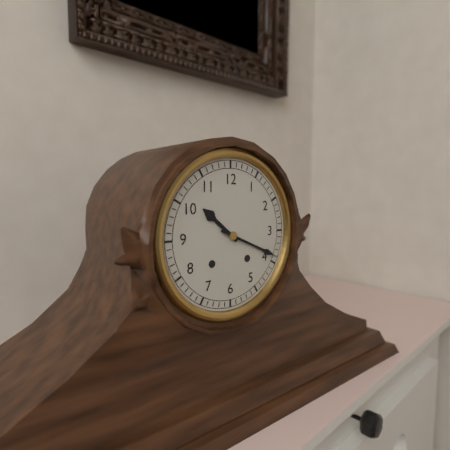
{"hour": 10, "minute": 19}
